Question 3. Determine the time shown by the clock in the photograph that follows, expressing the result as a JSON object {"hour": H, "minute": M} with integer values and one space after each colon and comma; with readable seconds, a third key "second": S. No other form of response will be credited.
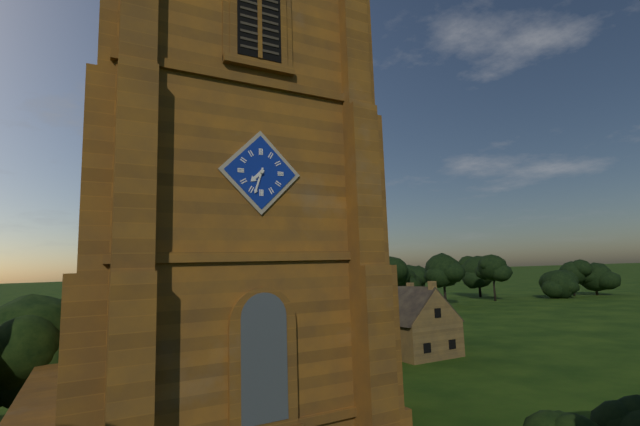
{"hour": 7, "minute": 33}
